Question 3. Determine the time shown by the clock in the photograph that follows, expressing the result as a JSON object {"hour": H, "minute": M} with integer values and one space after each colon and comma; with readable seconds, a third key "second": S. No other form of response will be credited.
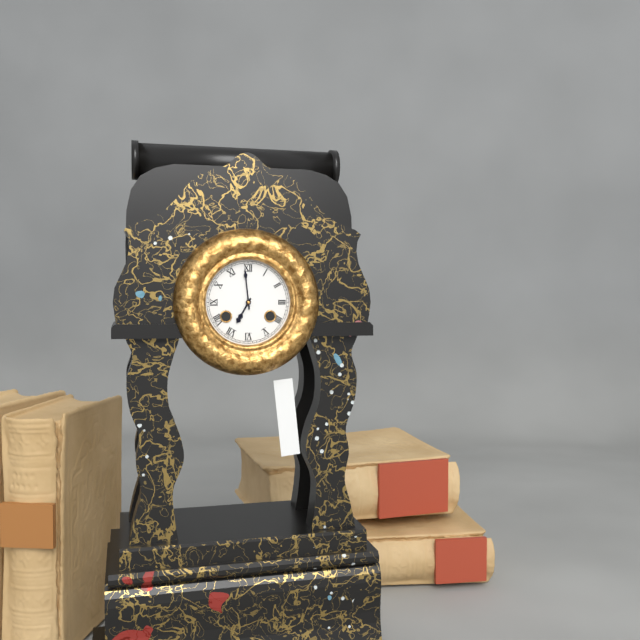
{"hour": 6, "minute": 59}
